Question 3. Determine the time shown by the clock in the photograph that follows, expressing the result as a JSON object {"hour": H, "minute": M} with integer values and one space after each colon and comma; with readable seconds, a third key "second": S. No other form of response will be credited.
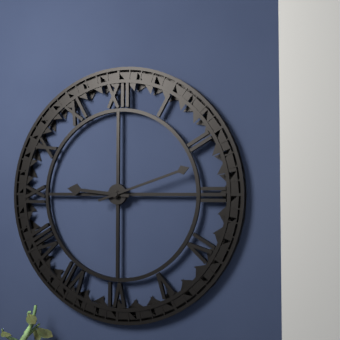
{"hour": 9, "minute": 12}
